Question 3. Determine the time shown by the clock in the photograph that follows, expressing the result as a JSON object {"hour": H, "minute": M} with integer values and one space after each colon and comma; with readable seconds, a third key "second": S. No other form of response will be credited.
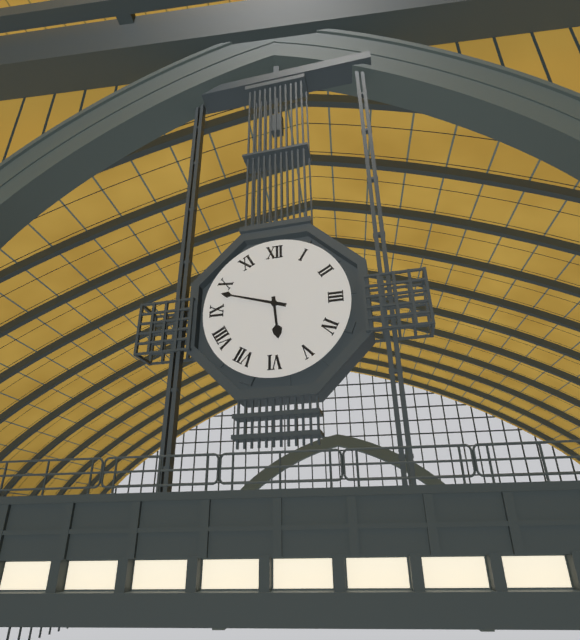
{"hour": 5, "minute": 48}
